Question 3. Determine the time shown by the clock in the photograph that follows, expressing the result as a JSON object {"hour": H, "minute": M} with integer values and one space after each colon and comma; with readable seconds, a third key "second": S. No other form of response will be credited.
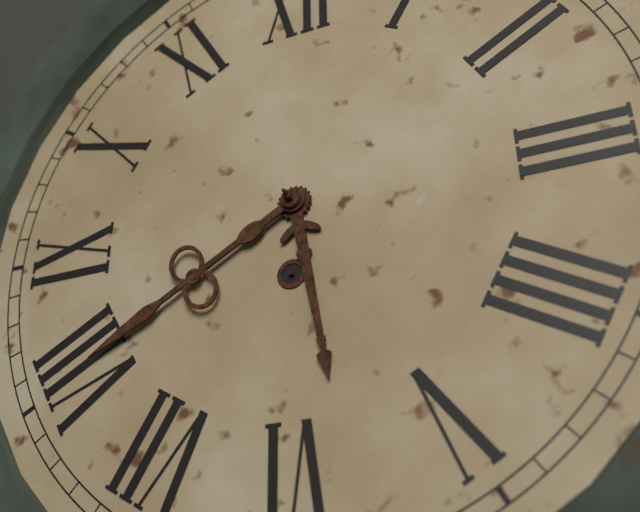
{"hour": 5, "minute": 40}
